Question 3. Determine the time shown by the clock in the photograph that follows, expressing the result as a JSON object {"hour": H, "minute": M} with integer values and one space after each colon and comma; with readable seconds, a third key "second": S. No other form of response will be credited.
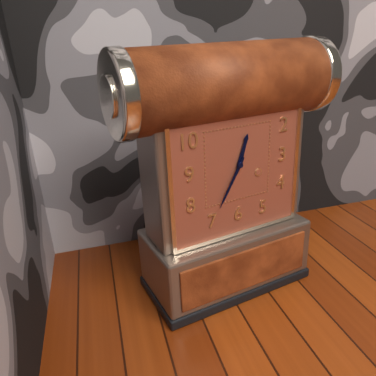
{"hour": 12, "minute": 35}
